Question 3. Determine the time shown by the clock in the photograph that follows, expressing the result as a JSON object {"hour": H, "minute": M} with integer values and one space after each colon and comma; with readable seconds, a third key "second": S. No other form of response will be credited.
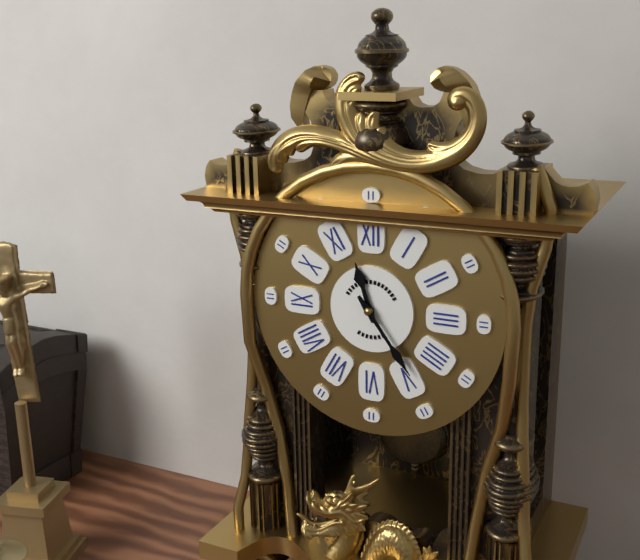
{"hour": 11, "minute": 24}
